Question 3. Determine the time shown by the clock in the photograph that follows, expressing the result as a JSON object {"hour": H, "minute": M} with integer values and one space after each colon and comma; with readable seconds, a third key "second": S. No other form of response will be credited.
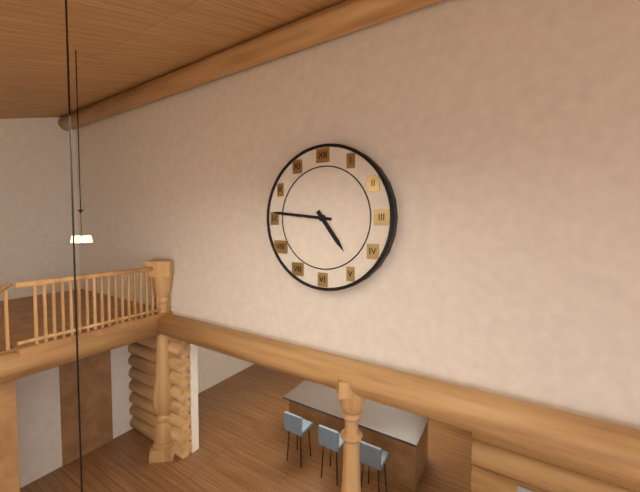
{"hour": 4, "minute": 46}
